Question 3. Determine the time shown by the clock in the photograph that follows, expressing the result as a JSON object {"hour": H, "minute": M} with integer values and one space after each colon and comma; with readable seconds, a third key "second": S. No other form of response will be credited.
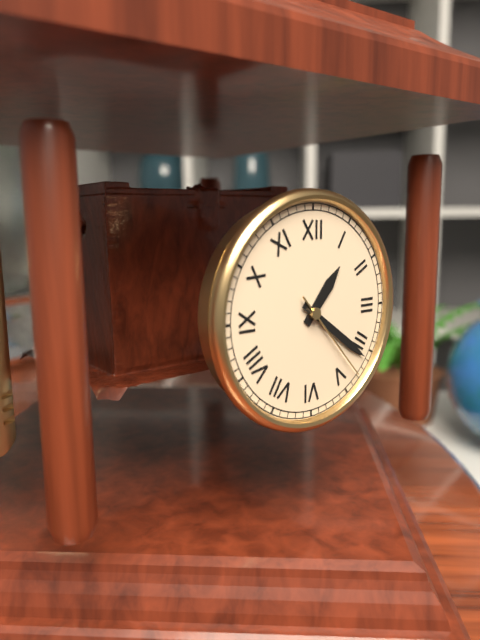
{"hour": 1, "minute": 21, "second": 23}
